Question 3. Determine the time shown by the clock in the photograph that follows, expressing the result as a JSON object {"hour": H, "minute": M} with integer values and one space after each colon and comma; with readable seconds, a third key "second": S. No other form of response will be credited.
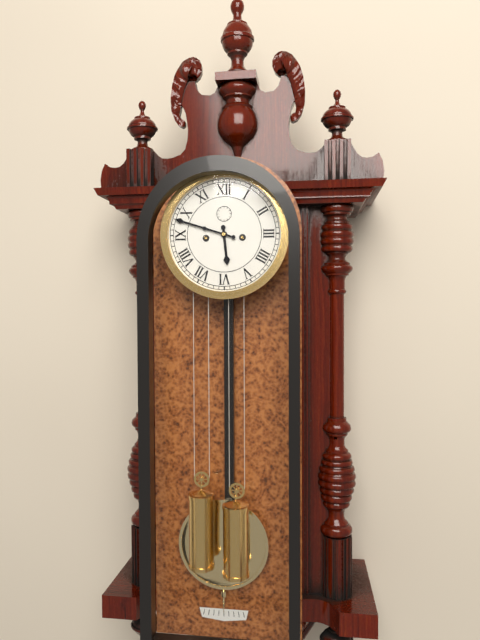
{"hour": 5, "minute": 48}
